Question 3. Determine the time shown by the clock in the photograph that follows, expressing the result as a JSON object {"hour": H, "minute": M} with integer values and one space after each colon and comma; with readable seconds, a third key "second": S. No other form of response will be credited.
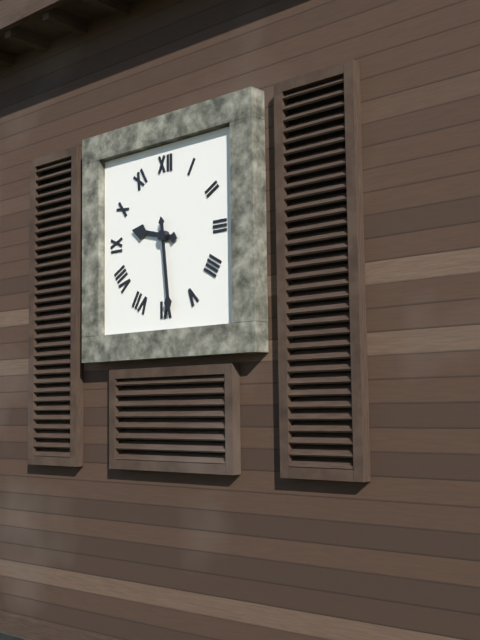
{"hour": 9, "minute": 29}
